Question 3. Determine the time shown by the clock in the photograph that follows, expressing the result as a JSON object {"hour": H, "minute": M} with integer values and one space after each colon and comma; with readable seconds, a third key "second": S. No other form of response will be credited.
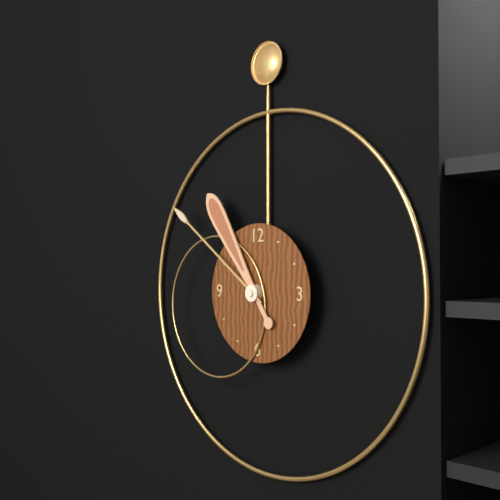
{"hour": 10, "minute": 51}
